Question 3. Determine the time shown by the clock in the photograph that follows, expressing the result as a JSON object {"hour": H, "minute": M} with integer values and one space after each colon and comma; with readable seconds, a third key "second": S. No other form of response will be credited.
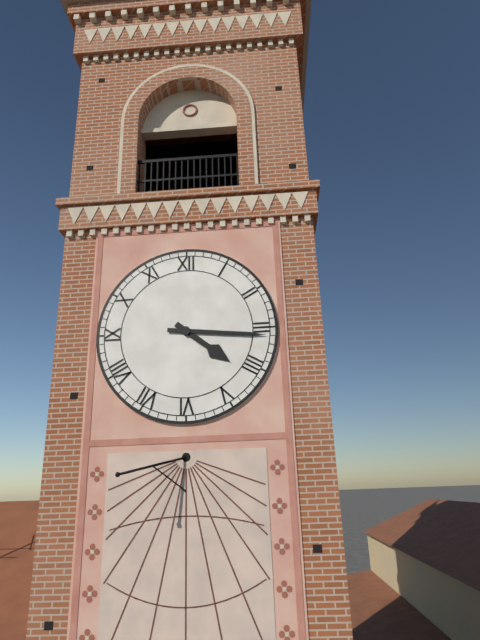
{"hour": 4, "minute": 16}
